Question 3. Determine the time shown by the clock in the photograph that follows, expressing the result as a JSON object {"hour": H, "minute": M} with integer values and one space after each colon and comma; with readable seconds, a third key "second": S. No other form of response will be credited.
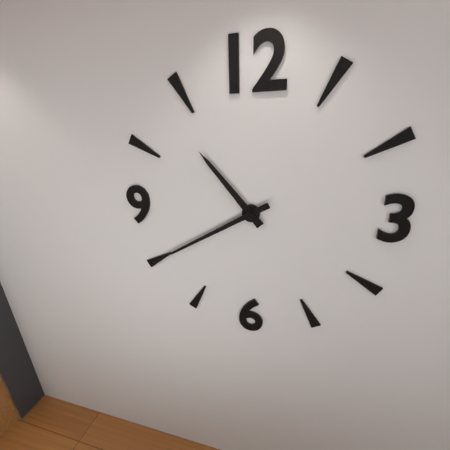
{"hour": 10, "minute": 40}
